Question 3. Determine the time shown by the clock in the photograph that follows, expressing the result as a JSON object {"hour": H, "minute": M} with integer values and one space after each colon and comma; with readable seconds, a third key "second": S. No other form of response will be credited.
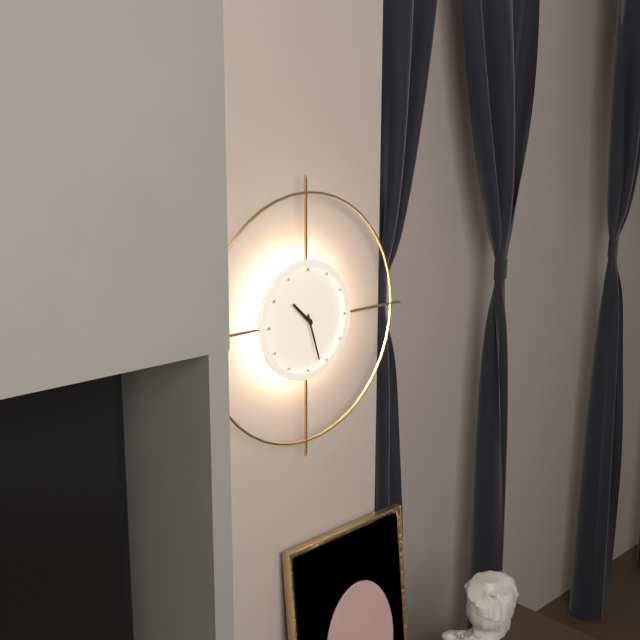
{"hour": 10, "minute": 27}
